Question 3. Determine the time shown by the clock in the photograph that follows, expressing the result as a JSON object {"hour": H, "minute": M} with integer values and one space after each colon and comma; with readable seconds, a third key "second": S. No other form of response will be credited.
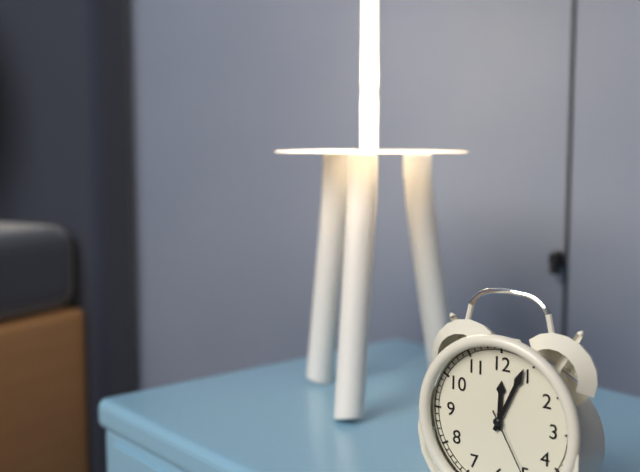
{"hour": 12, "minute": 4}
